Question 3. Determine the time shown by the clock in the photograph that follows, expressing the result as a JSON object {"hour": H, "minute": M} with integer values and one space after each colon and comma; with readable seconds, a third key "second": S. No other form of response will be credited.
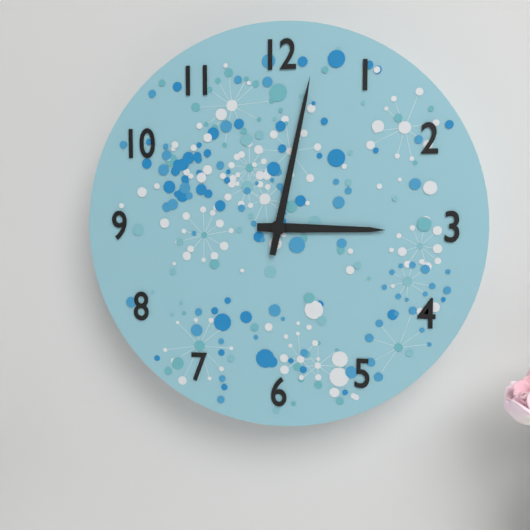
{"hour": 3, "minute": 2}
